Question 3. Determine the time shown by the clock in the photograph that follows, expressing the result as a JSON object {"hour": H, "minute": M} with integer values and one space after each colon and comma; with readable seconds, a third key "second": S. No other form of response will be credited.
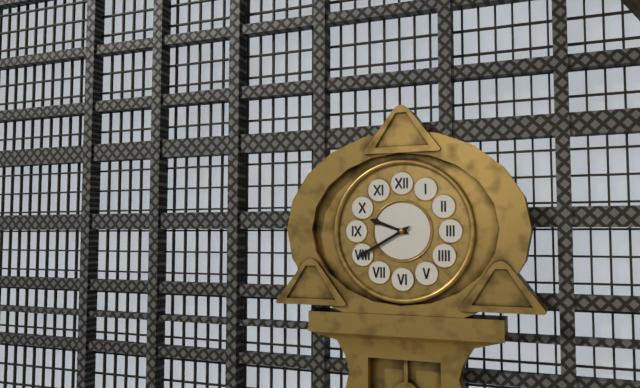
{"hour": 9, "minute": 40}
